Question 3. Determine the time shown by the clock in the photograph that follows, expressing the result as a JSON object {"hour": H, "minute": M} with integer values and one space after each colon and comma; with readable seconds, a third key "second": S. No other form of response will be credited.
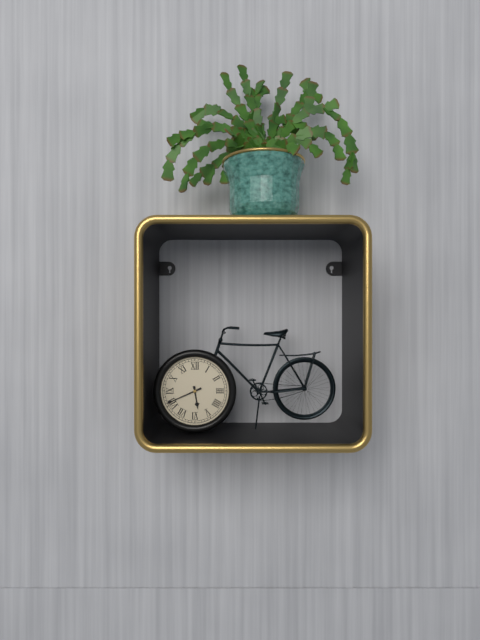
{"hour": 5, "minute": 41}
